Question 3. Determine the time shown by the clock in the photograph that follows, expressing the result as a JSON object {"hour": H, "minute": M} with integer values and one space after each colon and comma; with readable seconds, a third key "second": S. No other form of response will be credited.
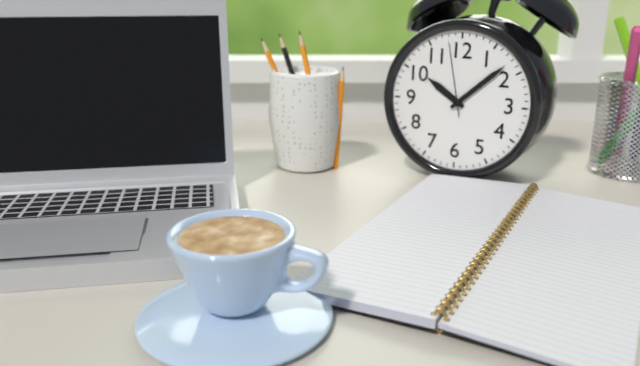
{"hour": 10, "minute": 8, "second": 58}
